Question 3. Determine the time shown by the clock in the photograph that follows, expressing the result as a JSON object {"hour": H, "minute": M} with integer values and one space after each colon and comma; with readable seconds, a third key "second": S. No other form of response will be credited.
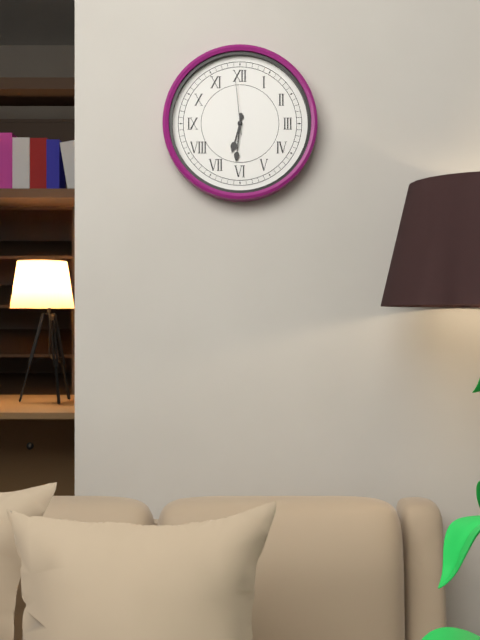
{"hour": 6, "minute": 31, "second": 59}
